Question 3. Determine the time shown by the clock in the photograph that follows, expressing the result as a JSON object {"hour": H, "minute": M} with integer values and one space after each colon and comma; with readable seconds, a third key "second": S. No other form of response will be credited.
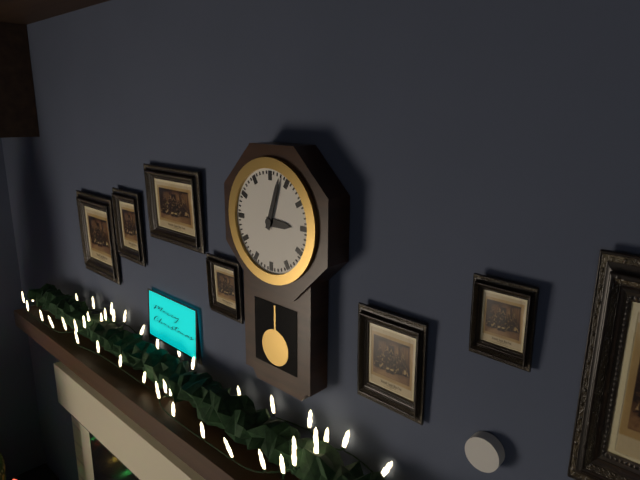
{"hour": 3, "minute": 3}
